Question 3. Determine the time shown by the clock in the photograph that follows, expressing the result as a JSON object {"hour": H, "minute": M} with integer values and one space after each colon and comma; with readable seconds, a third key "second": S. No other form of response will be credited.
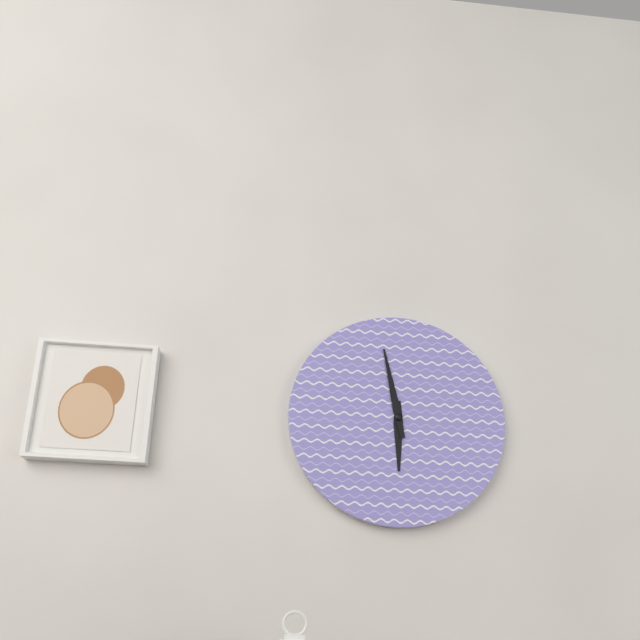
{"hour": 5, "minute": 58}
